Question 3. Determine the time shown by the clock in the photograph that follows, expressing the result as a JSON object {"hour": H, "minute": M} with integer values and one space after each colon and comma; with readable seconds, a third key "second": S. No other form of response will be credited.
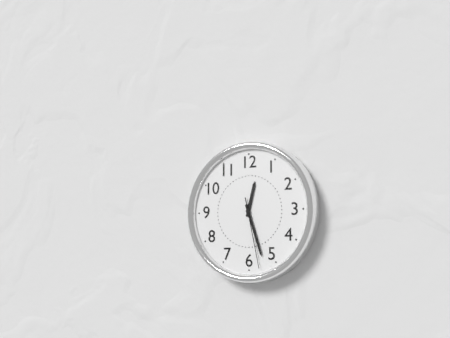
{"hour": 12, "minute": 27, "second": 28}
